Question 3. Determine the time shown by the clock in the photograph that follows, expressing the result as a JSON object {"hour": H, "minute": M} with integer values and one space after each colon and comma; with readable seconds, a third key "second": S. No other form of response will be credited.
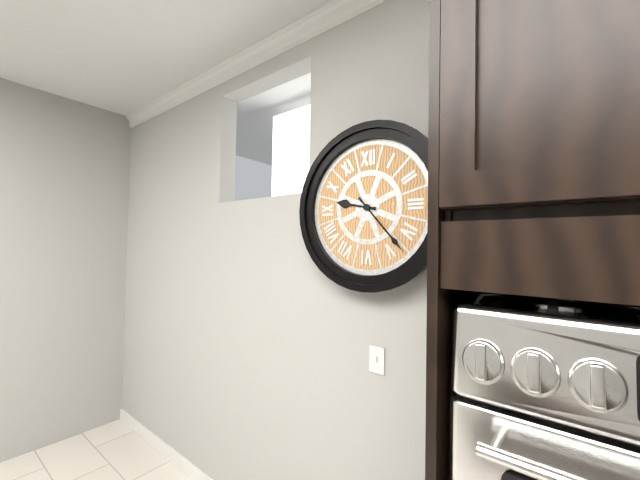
{"hour": 9, "minute": 23}
